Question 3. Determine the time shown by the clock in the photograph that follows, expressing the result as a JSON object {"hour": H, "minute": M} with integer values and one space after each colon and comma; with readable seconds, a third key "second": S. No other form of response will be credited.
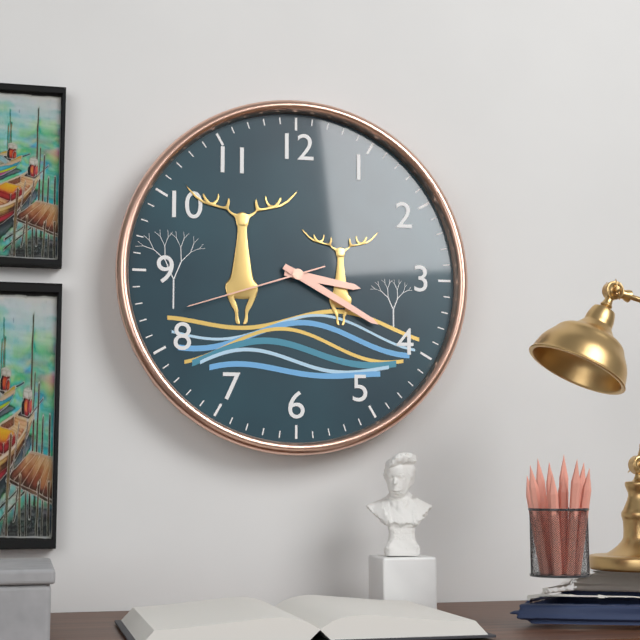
{"hour": 3, "minute": 20, "second": 42}
